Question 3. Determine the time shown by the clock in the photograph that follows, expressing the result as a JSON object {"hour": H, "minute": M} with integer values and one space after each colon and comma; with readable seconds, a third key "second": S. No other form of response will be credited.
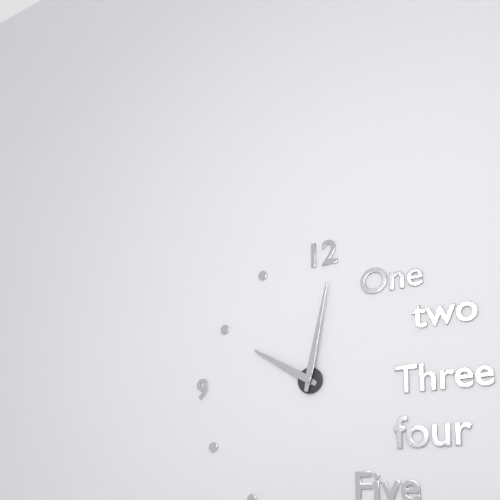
{"hour": 10, "minute": 2}
